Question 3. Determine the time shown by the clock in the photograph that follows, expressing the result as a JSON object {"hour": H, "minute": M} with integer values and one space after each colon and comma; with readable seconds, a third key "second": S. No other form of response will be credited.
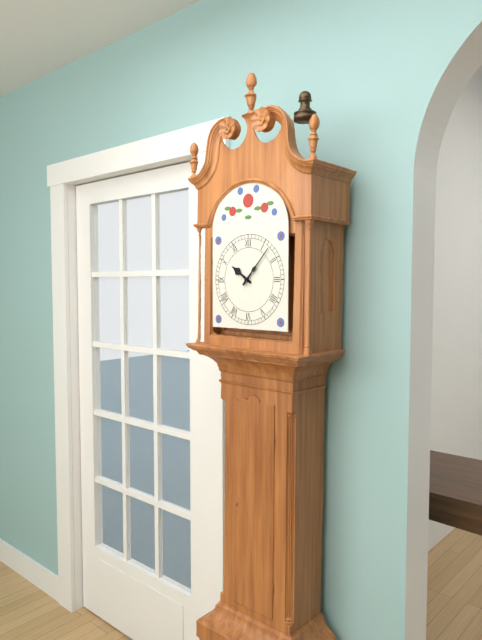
{"hour": 10, "minute": 7}
